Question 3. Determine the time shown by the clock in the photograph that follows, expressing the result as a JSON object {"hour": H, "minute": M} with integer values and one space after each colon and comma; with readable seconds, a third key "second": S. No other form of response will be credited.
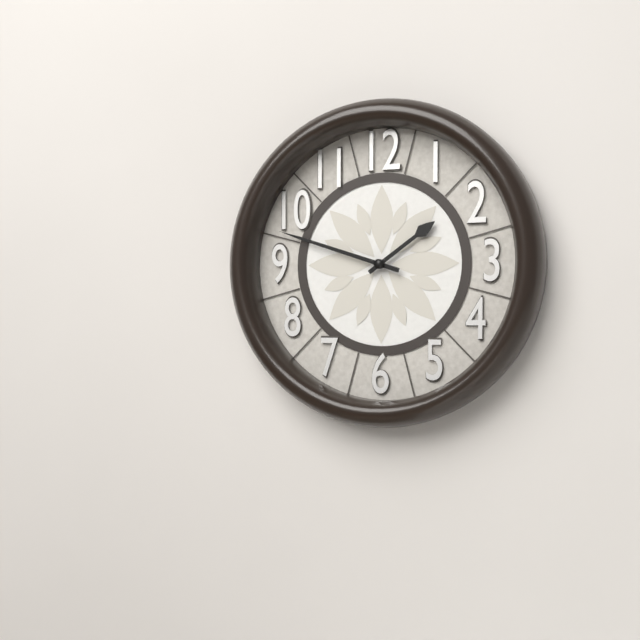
{"hour": 1, "minute": 48}
